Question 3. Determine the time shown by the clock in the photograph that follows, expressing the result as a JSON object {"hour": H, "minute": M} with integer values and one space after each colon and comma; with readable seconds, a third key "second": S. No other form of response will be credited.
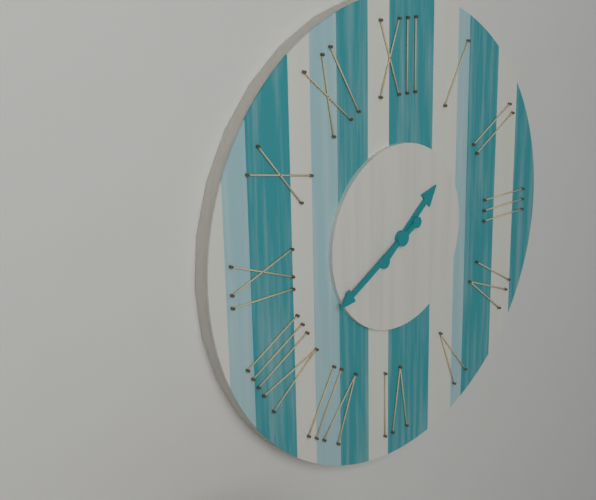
{"hour": 1, "minute": 40}
